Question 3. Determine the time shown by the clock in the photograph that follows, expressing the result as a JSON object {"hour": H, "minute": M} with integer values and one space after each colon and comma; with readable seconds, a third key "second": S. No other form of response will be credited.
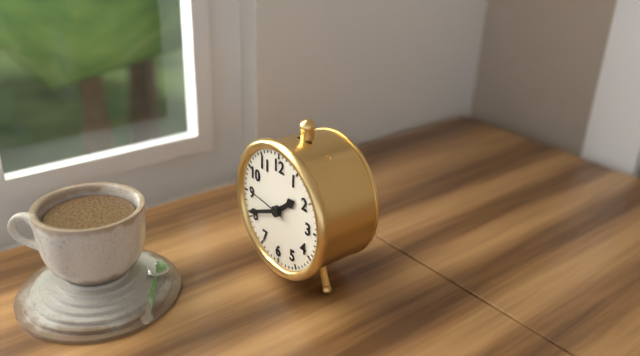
{"hour": 1, "minute": 41}
